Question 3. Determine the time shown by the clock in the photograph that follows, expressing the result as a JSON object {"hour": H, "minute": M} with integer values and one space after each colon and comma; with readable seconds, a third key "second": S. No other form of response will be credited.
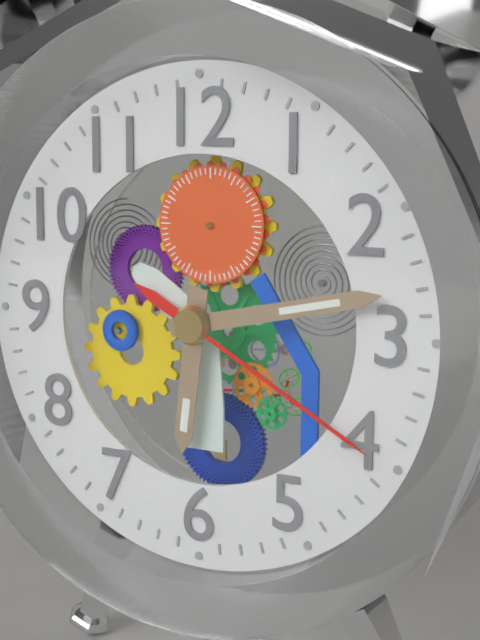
{"hour": 6, "minute": 13, "second": 20}
